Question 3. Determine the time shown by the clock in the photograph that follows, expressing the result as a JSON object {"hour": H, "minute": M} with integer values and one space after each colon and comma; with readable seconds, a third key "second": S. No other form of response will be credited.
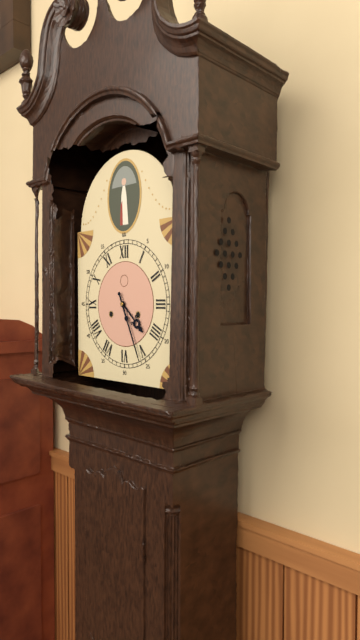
{"hour": 4, "minute": 26}
